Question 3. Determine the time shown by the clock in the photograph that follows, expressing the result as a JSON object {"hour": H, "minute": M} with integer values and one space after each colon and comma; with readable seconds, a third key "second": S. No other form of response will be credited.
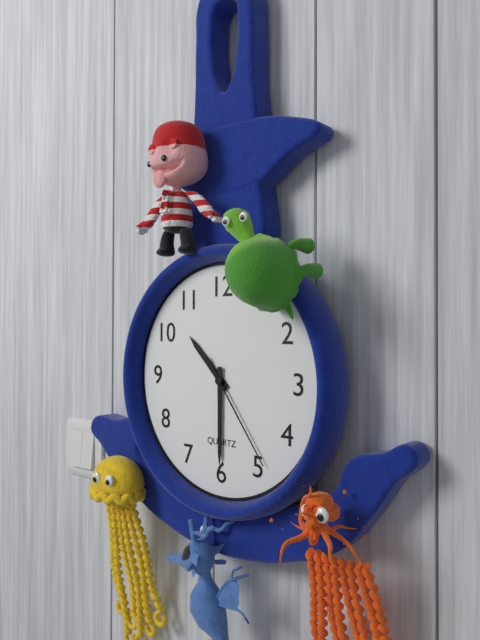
{"hour": 10, "minute": 30, "second": 24}
